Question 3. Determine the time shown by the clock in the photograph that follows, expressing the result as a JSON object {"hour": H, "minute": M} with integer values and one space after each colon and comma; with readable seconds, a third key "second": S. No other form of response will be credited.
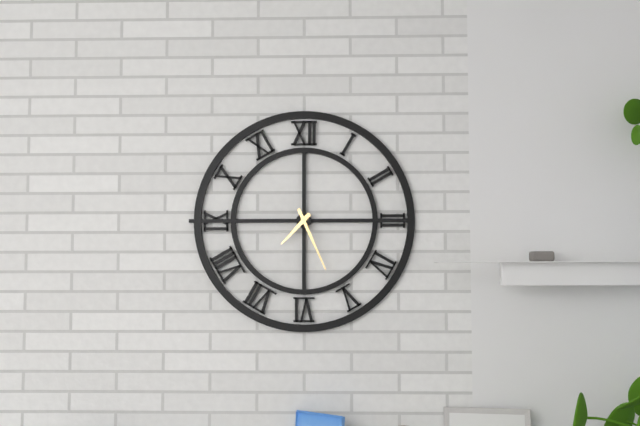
{"hour": 7, "minute": 26}
